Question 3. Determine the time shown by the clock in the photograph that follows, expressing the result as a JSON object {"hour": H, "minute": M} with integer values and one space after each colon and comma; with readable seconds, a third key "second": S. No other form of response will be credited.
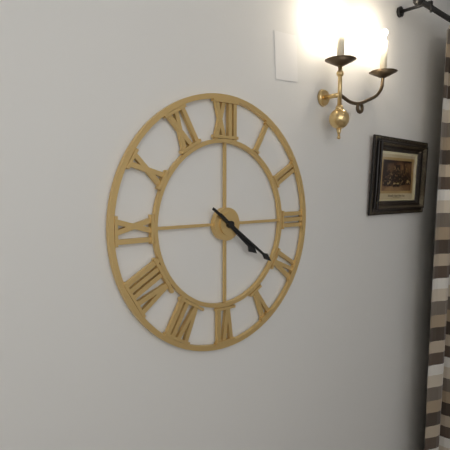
{"hour": 4, "minute": 21}
